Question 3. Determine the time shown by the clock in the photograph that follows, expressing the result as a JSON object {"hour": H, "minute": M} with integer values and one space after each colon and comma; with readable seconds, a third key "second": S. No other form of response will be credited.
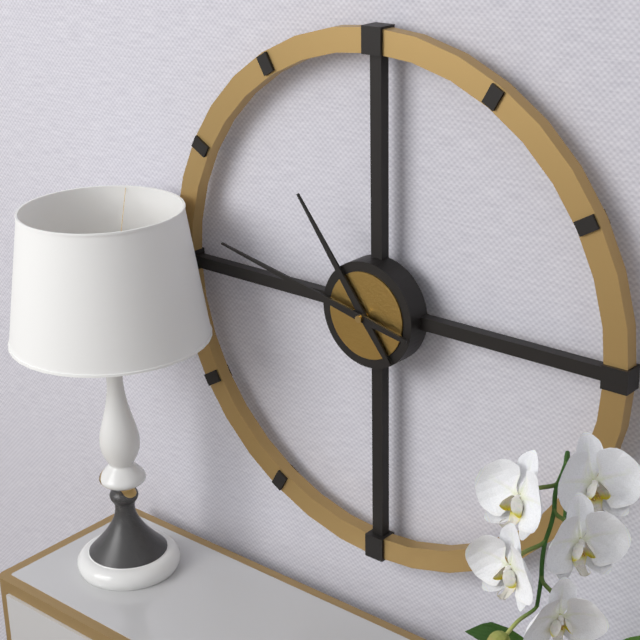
{"hour": 10, "minute": 47}
